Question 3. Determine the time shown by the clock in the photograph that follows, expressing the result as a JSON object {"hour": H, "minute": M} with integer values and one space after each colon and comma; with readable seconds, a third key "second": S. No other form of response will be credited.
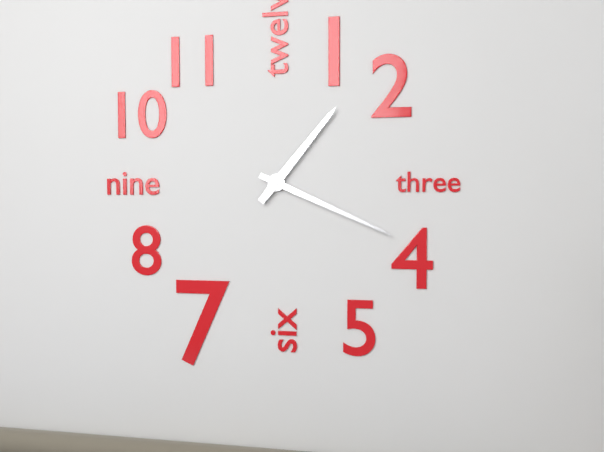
{"hour": 1, "minute": 19}
